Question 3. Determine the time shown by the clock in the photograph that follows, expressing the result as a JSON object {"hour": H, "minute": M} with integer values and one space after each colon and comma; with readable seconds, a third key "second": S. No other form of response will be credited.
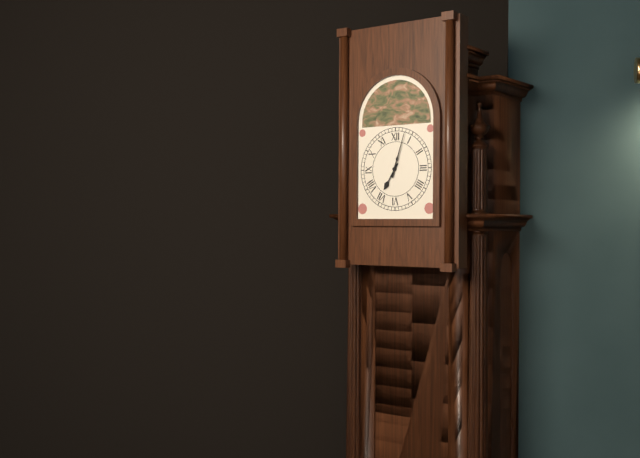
{"hour": 7, "minute": 3}
